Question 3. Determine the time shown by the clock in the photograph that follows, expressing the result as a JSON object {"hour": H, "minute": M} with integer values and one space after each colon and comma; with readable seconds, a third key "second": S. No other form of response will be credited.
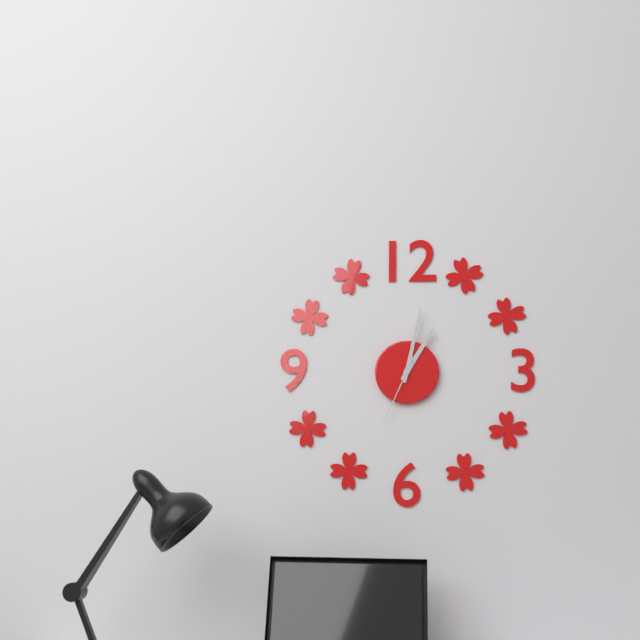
{"hour": 1, "minute": 2, "second": 34}
